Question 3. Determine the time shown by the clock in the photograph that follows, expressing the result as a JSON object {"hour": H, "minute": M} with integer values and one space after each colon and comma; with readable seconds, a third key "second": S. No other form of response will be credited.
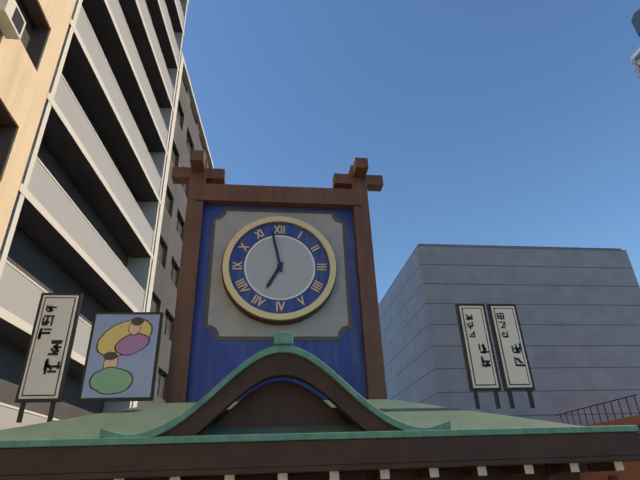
{"hour": 6, "minute": 58}
